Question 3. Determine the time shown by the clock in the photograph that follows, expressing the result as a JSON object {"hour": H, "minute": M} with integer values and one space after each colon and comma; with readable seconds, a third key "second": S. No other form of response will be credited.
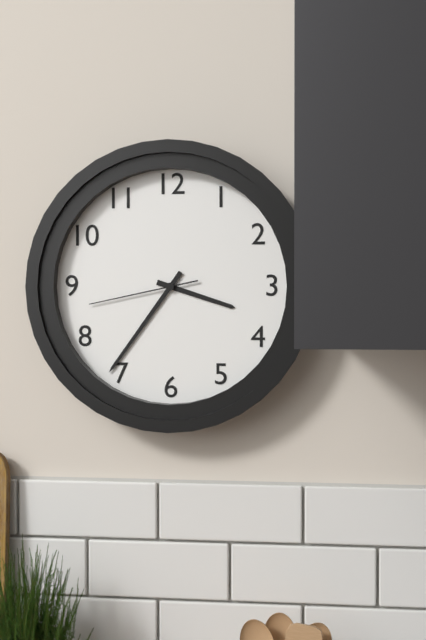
{"hour": 3, "minute": 36, "second": 43}
